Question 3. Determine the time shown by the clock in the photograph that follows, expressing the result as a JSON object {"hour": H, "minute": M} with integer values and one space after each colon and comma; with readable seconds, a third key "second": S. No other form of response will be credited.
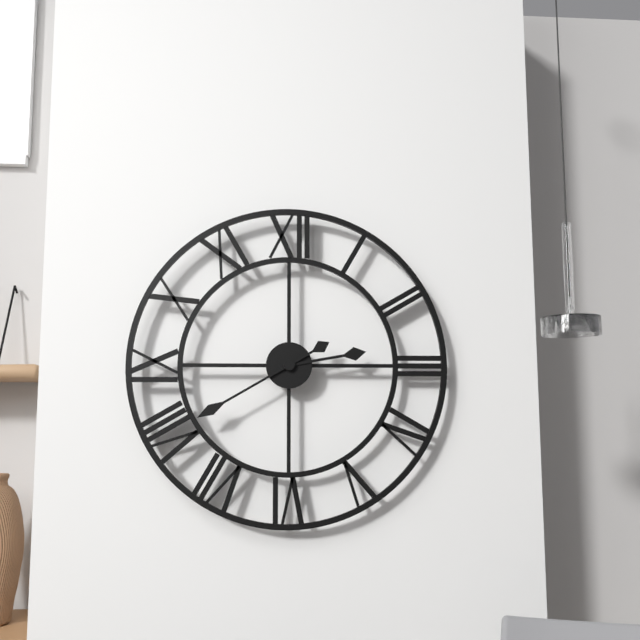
{"hour": 2, "minute": 40}
